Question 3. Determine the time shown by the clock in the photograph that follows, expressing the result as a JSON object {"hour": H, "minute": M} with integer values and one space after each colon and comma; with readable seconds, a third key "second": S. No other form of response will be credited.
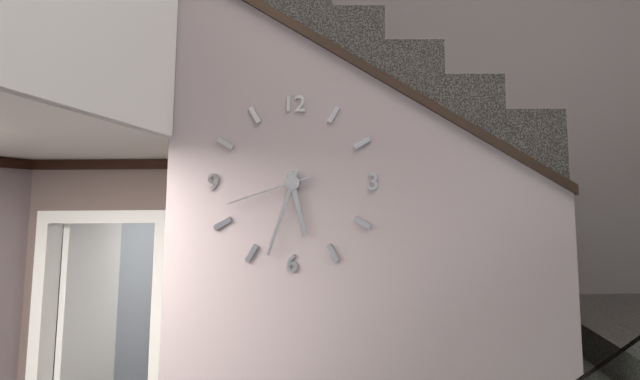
{"hour": 5, "minute": 33, "second": 42}
